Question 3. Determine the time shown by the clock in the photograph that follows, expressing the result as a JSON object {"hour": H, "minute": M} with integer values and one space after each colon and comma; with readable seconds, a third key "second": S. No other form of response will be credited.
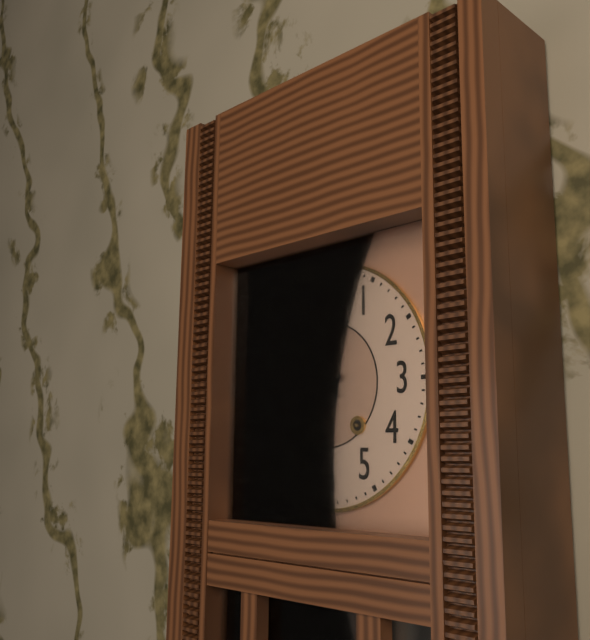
{"hour": 10, "minute": 41}
